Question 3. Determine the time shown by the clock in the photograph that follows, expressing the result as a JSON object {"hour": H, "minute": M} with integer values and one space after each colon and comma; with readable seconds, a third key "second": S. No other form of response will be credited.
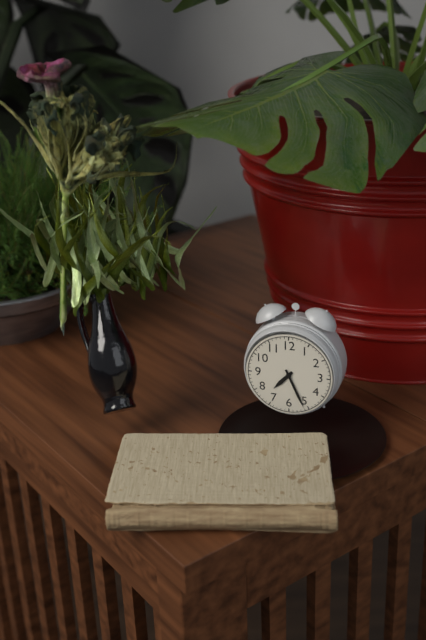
{"hour": 7, "minute": 26}
